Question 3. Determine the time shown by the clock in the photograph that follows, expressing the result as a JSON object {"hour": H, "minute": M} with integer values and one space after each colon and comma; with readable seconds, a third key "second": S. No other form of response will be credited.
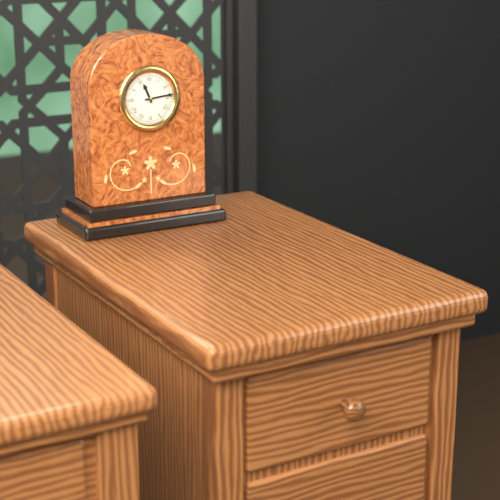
{"hour": 11, "minute": 14}
